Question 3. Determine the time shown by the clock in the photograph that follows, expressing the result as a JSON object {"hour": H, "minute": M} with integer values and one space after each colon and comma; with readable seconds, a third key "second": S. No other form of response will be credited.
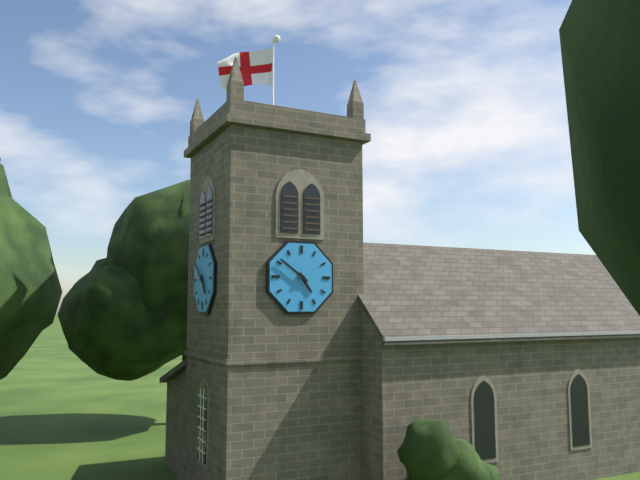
{"hour": 4, "minute": 51}
